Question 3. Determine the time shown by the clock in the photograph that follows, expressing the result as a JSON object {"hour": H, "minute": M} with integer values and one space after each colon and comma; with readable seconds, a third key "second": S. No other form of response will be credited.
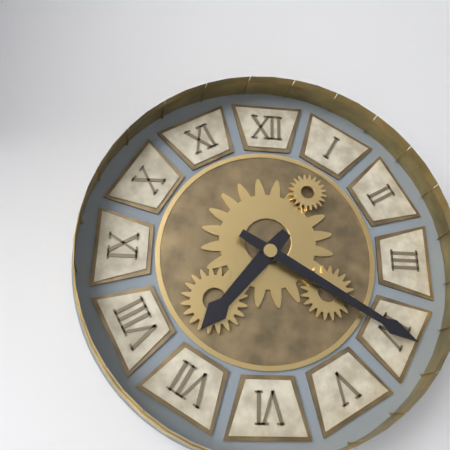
{"hour": 7, "minute": 20}
